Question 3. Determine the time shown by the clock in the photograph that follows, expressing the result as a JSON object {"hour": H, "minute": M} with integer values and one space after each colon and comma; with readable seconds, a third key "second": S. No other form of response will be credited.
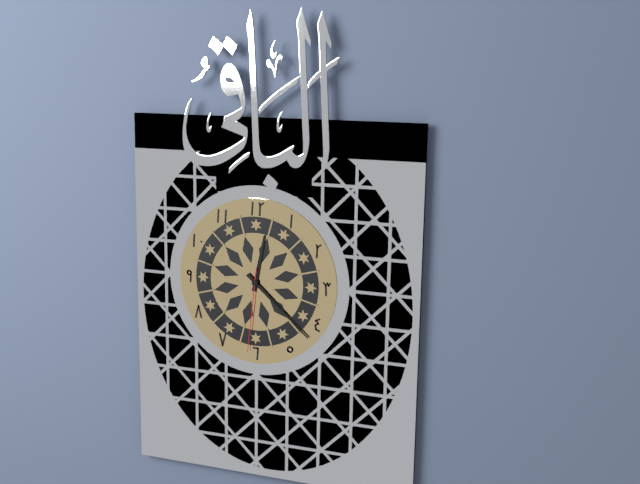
{"hour": 12, "minute": 22, "second": 31}
